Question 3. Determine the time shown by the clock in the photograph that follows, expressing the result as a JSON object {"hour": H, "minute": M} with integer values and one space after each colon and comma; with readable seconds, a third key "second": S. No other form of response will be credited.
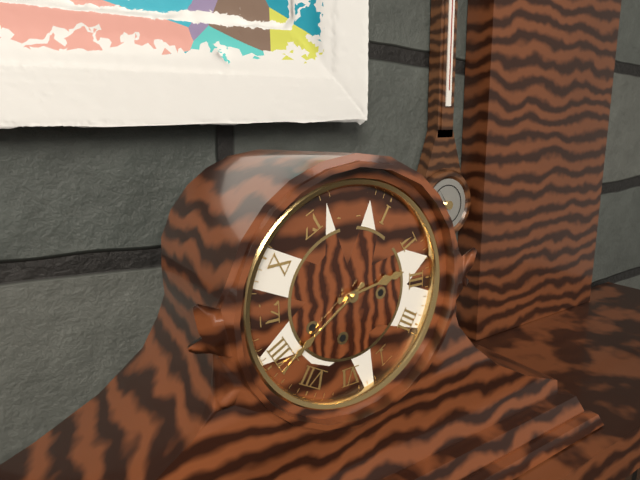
{"hour": 2, "minute": 39}
